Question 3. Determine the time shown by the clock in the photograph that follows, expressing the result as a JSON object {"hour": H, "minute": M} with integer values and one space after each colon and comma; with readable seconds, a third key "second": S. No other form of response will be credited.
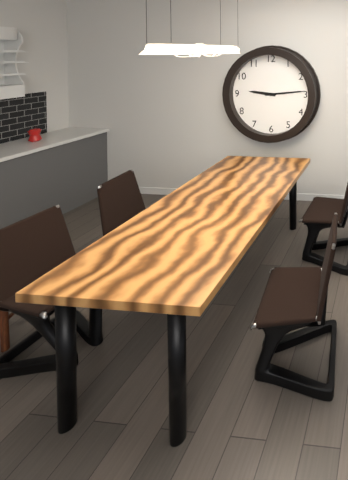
{"hour": 9, "minute": 14}
